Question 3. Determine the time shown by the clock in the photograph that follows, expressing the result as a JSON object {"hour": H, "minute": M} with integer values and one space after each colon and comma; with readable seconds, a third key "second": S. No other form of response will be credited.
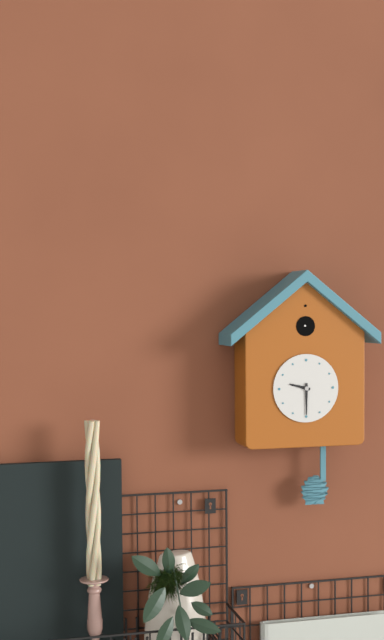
{"hour": 9, "minute": 30}
